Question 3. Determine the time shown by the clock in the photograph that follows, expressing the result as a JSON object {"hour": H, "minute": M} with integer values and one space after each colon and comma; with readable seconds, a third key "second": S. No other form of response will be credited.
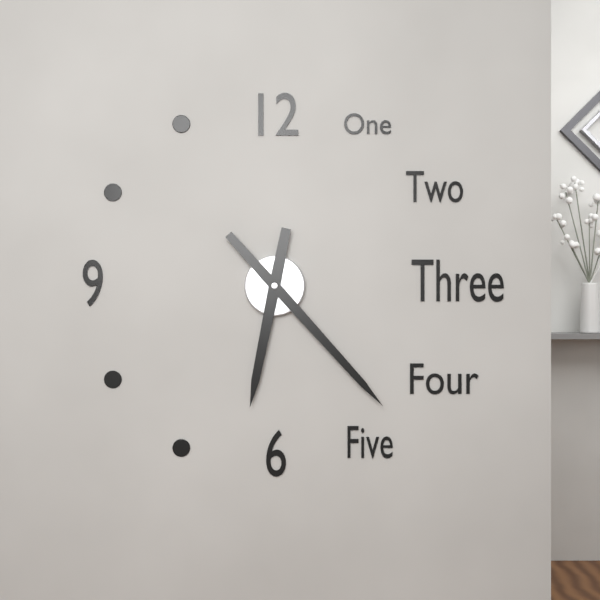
{"hour": 6, "minute": 23}
